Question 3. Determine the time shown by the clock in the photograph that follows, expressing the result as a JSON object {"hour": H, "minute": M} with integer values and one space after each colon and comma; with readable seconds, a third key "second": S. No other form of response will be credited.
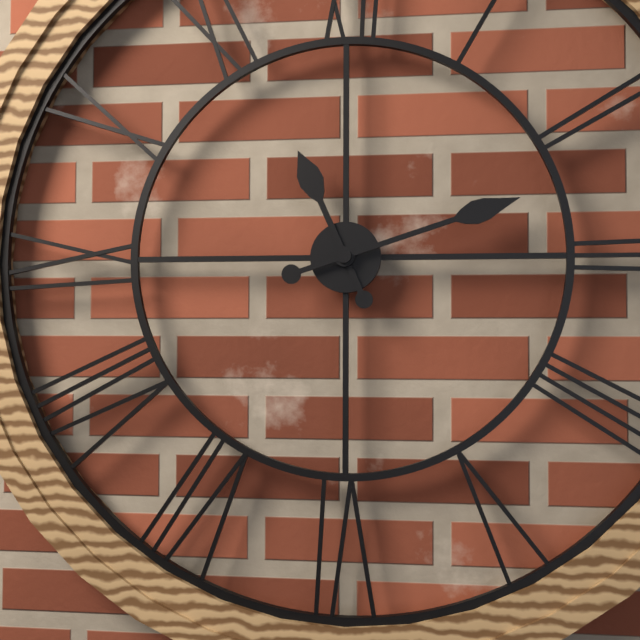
{"hour": 11, "minute": 12}
